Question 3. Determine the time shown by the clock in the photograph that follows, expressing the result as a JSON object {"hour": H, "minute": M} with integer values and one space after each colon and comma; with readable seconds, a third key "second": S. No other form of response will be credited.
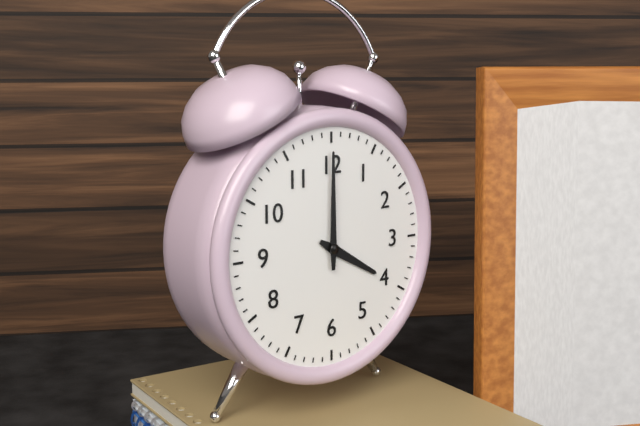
{"hour": 4, "minute": 0}
